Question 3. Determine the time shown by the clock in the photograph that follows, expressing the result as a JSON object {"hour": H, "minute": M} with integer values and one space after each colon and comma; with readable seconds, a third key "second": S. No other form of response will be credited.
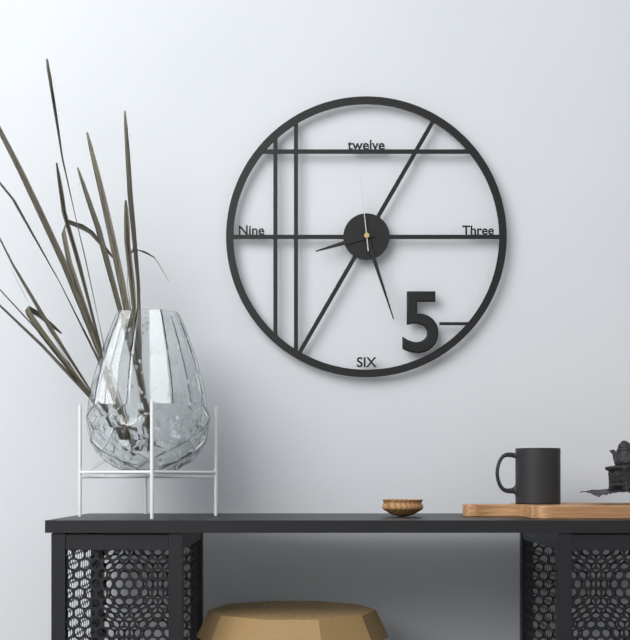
{"hour": 8, "minute": 27, "second": 59}
